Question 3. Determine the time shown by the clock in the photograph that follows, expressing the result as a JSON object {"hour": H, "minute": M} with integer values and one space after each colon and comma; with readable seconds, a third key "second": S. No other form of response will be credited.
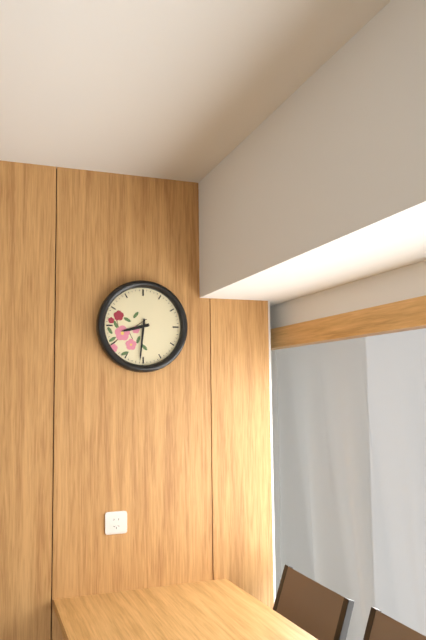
{"hour": 8, "minute": 31}
